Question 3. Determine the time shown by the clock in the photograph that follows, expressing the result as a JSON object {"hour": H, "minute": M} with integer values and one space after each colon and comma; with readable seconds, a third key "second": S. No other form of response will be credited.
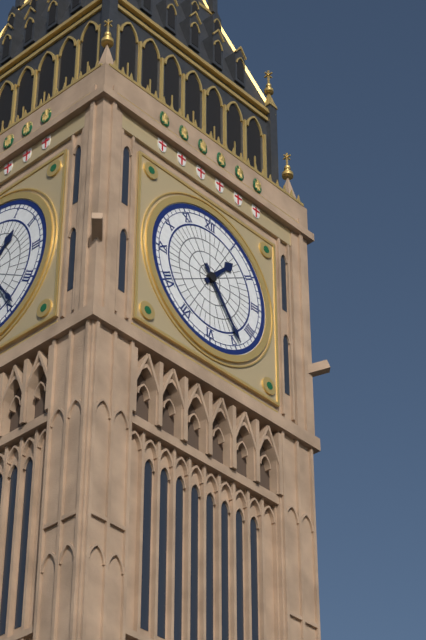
{"hour": 1, "minute": 24}
